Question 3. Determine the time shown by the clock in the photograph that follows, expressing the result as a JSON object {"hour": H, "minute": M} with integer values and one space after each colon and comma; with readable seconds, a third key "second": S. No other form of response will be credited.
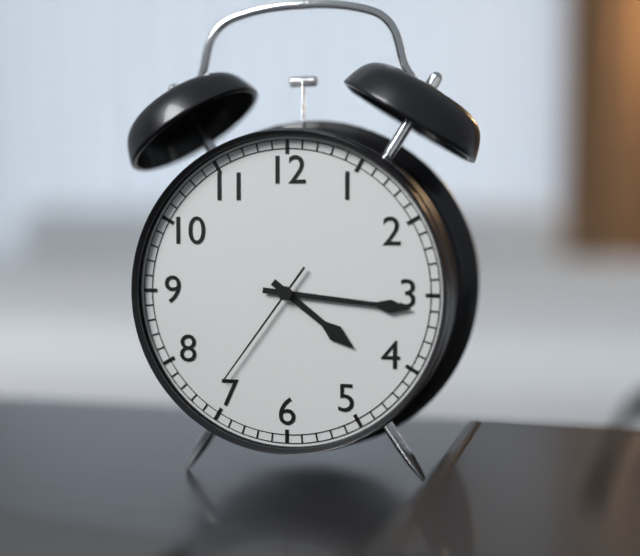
{"hour": 4, "minute": 16, "second": 36}
